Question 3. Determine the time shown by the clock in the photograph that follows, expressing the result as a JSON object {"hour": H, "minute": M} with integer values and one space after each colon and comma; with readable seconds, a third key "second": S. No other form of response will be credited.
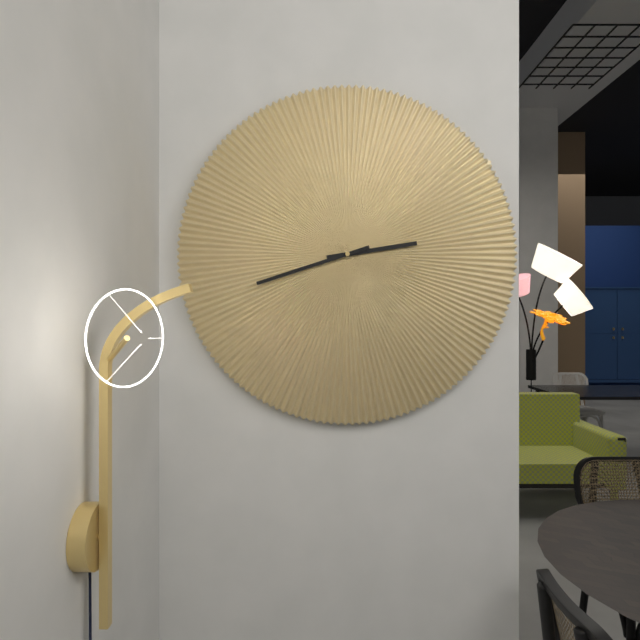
{"hour": 2, "minute": 42}
